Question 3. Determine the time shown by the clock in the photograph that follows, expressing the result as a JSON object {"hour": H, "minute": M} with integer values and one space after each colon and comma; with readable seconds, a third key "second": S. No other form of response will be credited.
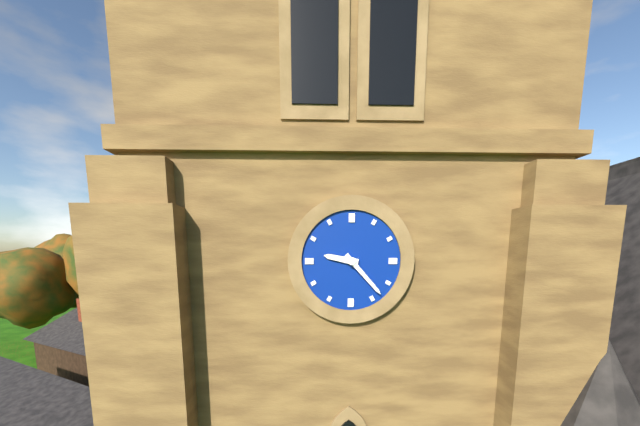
{"hour": 9, "minute": 23}
